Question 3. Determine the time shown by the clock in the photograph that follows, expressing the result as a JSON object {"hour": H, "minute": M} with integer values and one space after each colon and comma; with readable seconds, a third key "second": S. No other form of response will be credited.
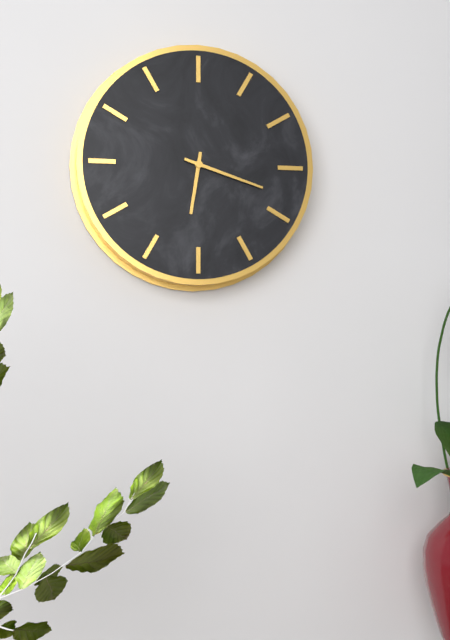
{"hour": 6, "minute": 18}
